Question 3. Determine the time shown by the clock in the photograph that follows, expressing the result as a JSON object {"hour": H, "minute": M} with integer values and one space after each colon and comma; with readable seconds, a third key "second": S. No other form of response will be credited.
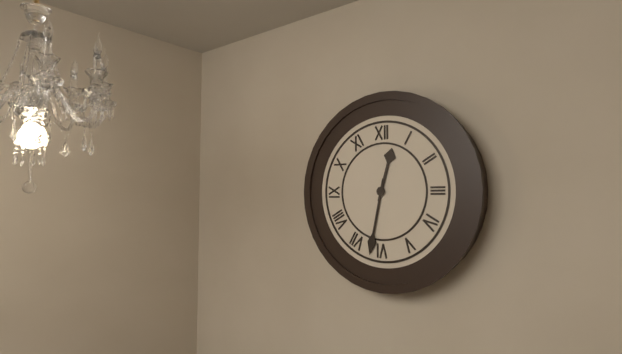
{"hour": 12, "minute": 32}
